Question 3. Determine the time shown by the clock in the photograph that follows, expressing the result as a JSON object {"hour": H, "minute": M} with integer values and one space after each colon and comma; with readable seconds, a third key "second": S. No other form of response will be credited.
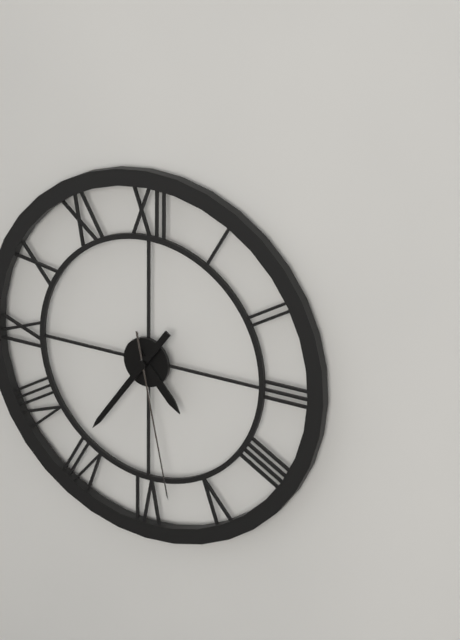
{"hour": 4, "minute": 36, "second": 28}
